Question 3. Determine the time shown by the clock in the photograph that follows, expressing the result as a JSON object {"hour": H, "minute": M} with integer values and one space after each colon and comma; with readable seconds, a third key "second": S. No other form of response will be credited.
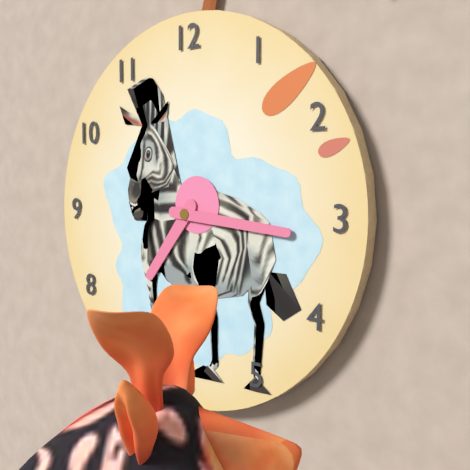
{"hour": 7, "minute": 16}
